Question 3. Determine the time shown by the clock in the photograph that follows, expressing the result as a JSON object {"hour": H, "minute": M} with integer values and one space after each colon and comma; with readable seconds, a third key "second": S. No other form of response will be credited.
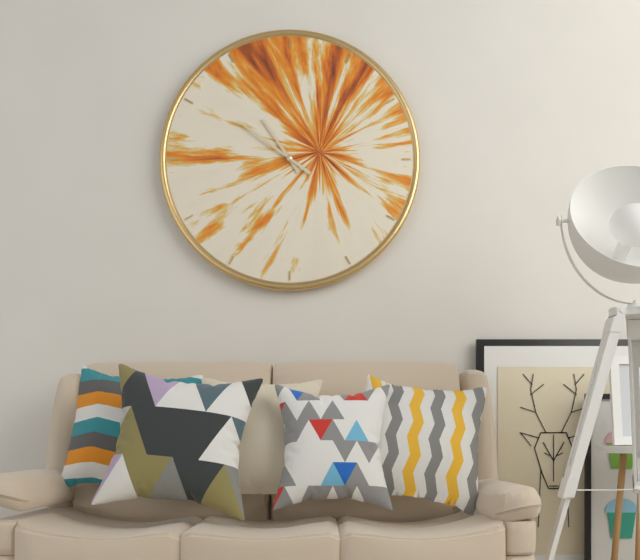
{"hour": 10, "minute": 51}
